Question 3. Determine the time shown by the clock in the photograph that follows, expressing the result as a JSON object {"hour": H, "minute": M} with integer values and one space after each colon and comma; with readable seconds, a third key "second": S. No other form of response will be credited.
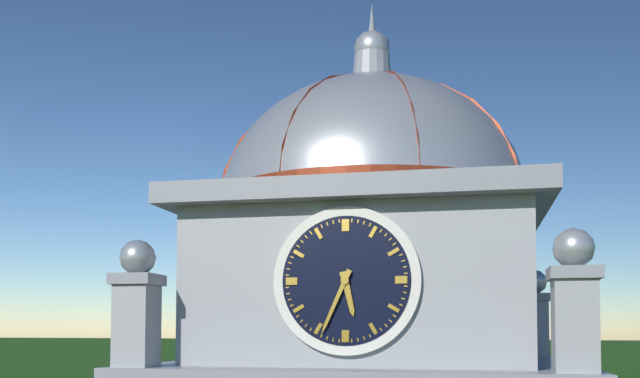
{"hour": 5, "minute": 34}
